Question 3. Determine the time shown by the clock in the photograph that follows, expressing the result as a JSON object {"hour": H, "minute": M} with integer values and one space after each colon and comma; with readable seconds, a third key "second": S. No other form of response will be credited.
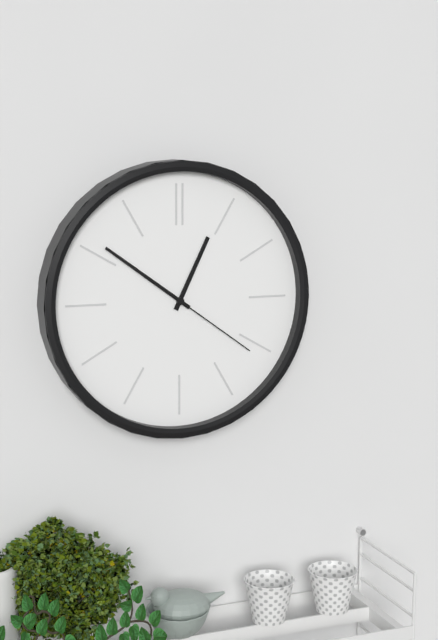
{"hour": 12, "minute": 51, "second": 21}
